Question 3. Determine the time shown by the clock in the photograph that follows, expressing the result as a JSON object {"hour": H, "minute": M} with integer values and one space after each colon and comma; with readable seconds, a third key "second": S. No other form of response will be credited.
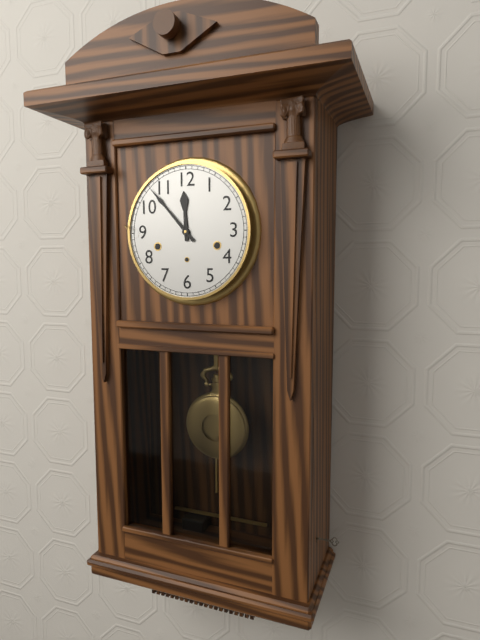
{"hour": 11, "minute": 53}
